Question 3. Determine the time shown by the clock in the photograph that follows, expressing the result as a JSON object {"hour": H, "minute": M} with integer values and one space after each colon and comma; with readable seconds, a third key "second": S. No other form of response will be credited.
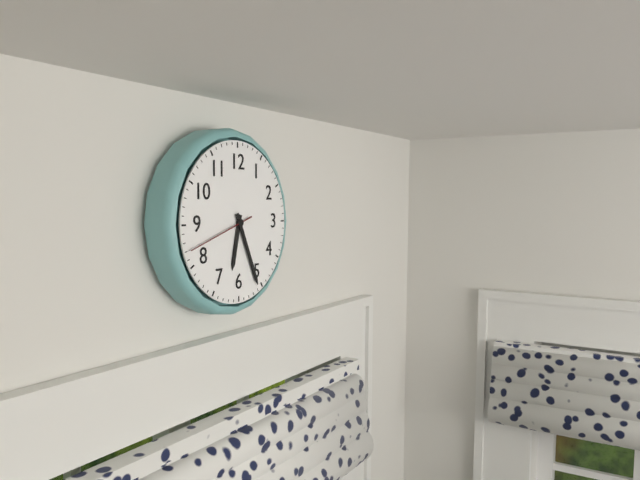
{"hour": 6, "minute": 26, "second": 42}
